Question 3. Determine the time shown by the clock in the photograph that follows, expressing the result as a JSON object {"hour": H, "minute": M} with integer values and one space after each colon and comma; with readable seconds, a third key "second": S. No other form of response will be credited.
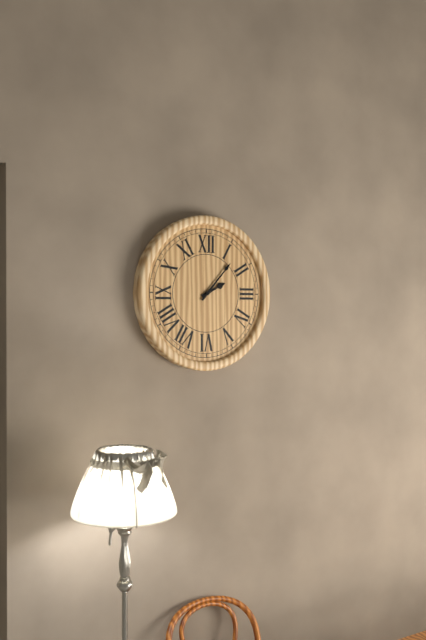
{"hour": 2, "minute": 7}
